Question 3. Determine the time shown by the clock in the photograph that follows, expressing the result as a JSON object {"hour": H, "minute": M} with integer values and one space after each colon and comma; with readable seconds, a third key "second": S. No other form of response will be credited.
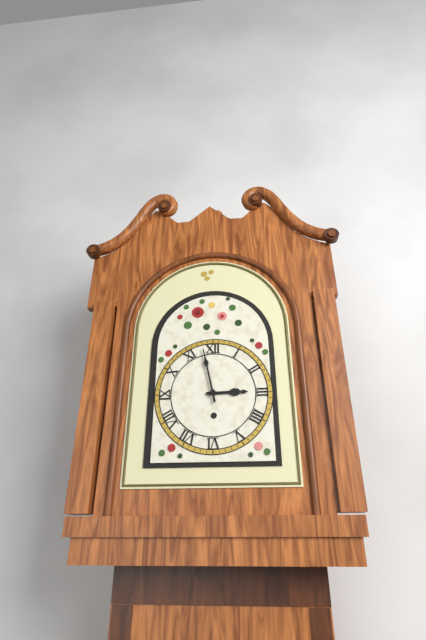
{"hour": 2, "minute": 58}
